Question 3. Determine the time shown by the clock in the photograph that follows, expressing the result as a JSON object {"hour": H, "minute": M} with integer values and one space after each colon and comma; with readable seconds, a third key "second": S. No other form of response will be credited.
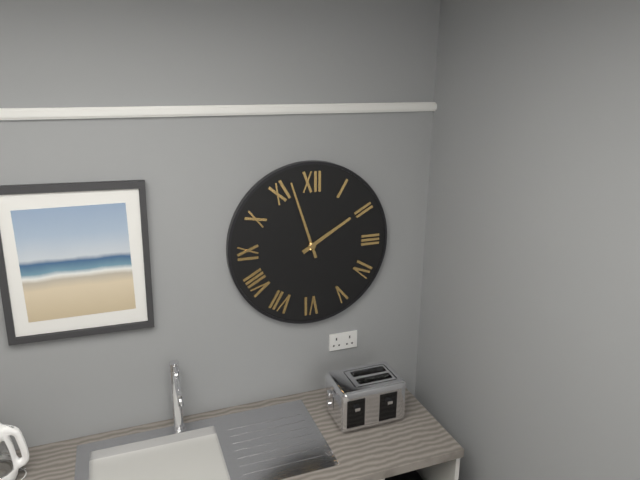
{"hour": 1, "minute": 57}
